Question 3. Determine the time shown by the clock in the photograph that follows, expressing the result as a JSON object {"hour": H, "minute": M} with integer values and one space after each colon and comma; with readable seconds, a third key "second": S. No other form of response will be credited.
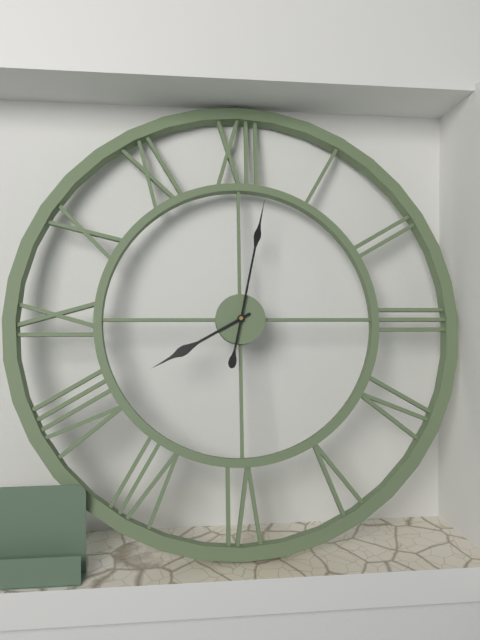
{"hour": 8, "minute": 2}
